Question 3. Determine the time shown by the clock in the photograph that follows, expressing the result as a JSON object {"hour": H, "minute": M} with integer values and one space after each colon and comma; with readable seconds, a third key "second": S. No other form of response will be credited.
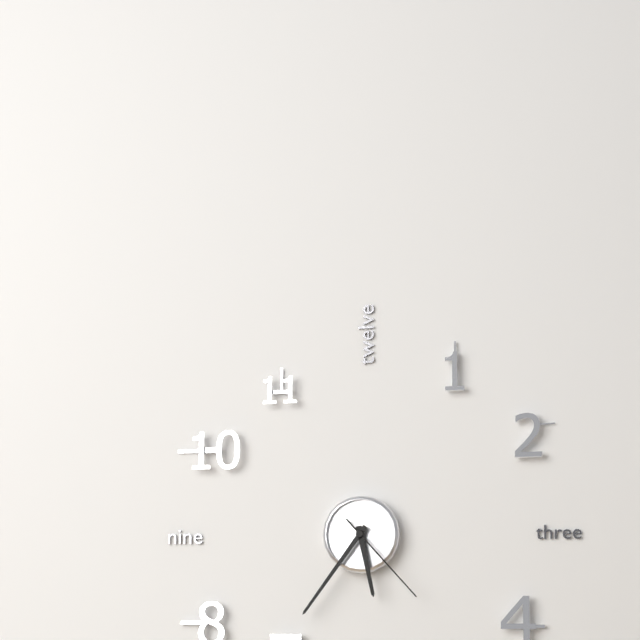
{"hour": 5, "minute": 36, "second": 23}
